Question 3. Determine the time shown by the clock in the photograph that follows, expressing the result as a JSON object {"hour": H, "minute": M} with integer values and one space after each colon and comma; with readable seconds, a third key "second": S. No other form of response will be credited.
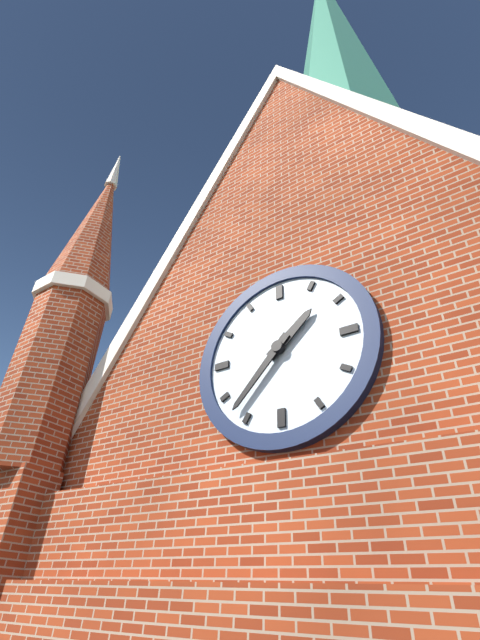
{"hour": 1, "minute": 37}
